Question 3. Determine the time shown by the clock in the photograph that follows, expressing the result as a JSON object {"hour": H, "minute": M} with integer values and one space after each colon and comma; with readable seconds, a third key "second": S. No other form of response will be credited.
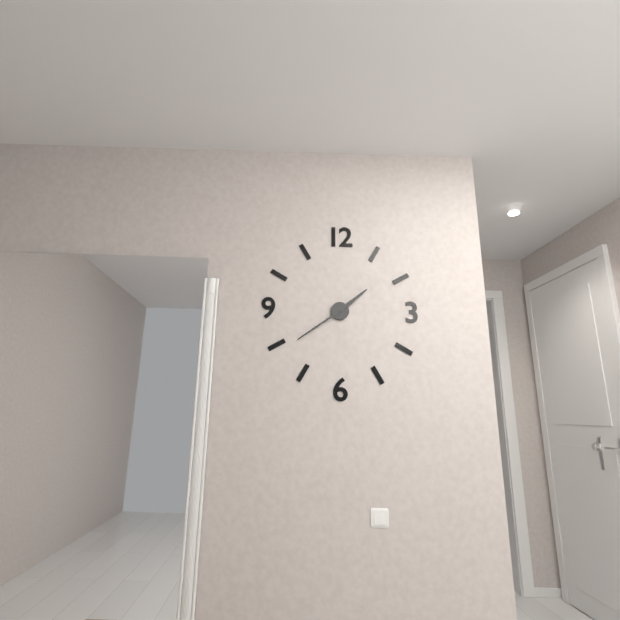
{"hour": 1, "minute": 39}
